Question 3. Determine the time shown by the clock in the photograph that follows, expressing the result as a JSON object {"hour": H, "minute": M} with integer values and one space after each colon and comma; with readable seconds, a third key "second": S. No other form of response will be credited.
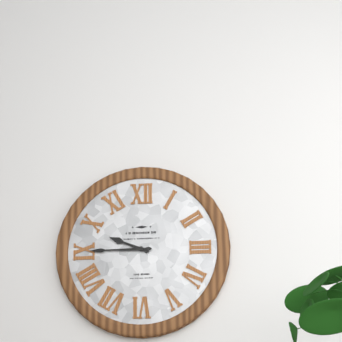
{"hour": 9, "minute": 45}
